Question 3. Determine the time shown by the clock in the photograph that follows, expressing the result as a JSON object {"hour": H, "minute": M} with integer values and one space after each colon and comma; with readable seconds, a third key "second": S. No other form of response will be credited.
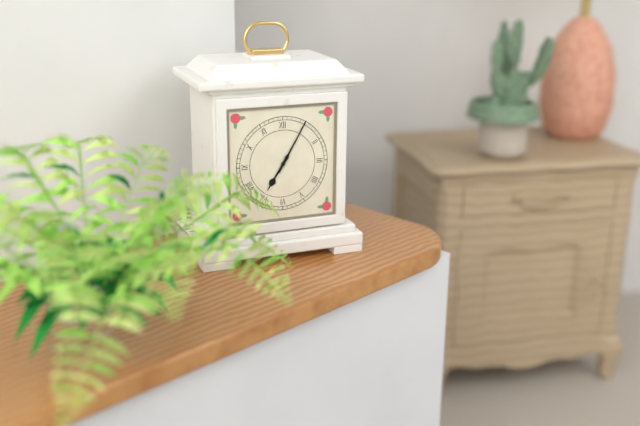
{"hour": 7, "minute": 5}
